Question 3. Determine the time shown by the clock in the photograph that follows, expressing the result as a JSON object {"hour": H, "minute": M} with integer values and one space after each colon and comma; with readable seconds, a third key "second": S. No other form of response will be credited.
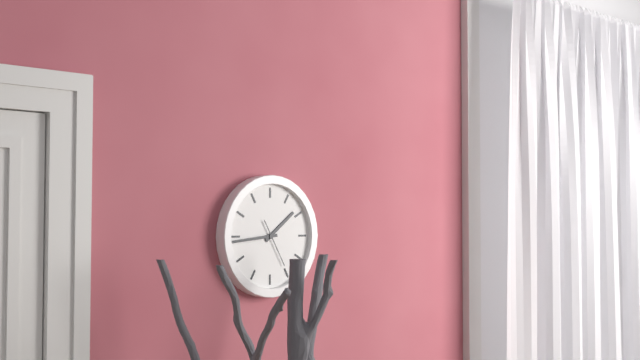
{"hour": 1, "minute": 44}
